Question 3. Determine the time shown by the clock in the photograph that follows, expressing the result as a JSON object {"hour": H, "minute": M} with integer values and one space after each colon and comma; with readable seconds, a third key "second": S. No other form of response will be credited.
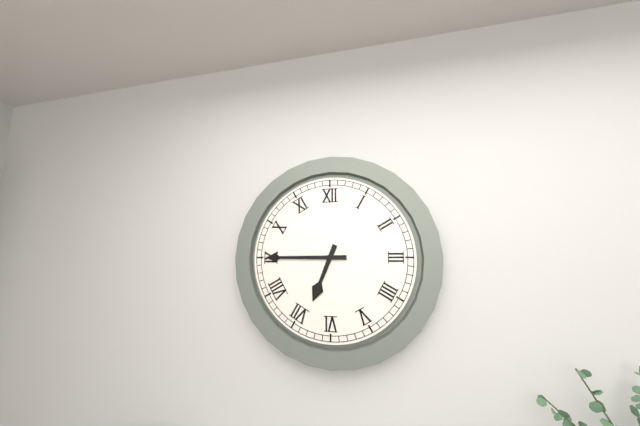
{"hour": 6, "minute": 45}
